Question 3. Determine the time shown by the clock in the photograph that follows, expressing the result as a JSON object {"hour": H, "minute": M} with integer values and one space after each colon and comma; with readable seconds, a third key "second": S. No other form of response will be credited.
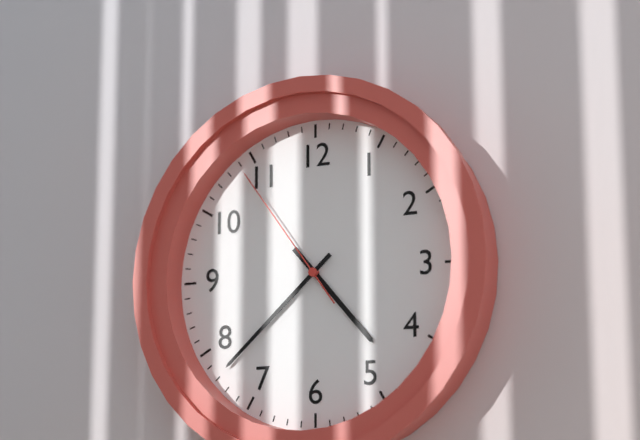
{"hour": 4, "minute": 38, "second": 54}
